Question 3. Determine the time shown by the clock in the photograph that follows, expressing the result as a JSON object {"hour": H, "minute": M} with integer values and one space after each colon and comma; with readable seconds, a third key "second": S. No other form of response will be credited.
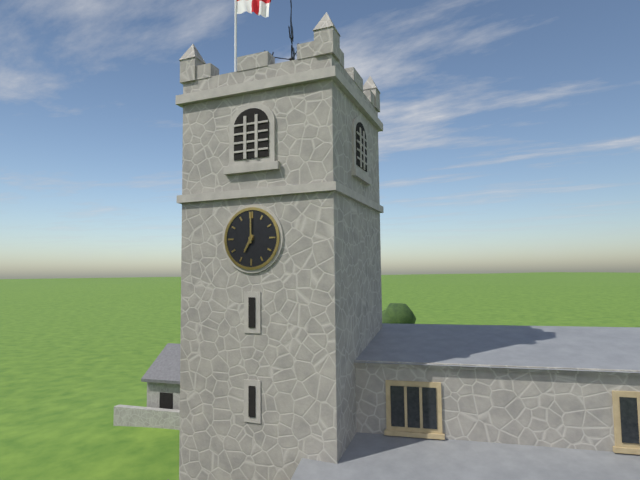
{"hour": 7, "minute": 0}
